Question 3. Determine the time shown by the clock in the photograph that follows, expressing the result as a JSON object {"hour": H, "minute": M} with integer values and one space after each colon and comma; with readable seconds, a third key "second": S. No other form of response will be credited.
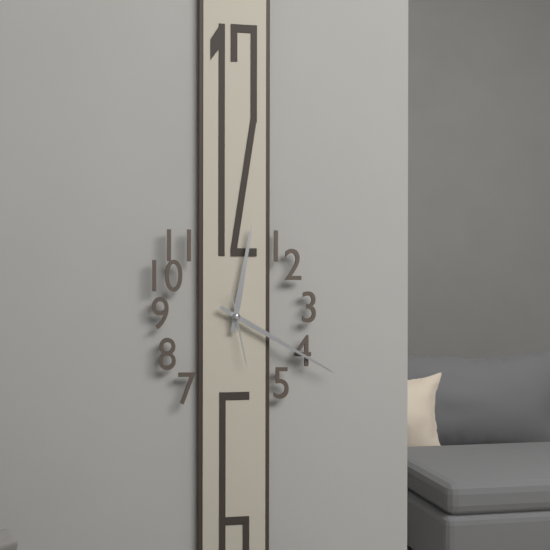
{"hour": 12, "minute": 20, "second": 28}
